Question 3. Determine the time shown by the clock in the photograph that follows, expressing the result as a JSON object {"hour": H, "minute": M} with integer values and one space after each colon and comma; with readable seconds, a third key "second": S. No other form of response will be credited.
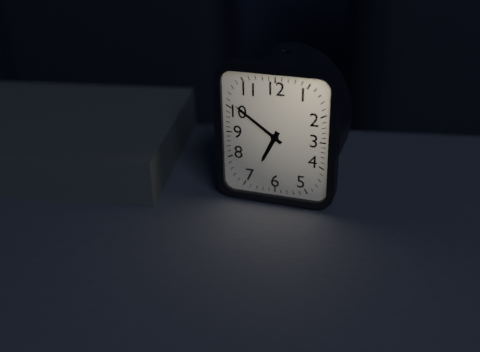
{"hour": 6, "minute": 51}
